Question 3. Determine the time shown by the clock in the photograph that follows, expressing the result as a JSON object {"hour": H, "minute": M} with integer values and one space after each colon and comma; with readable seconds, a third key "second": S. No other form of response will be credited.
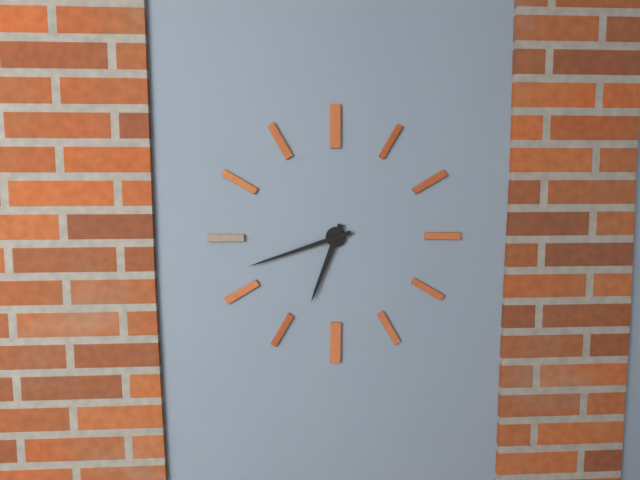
{"hour": 6, "minute": 42}
